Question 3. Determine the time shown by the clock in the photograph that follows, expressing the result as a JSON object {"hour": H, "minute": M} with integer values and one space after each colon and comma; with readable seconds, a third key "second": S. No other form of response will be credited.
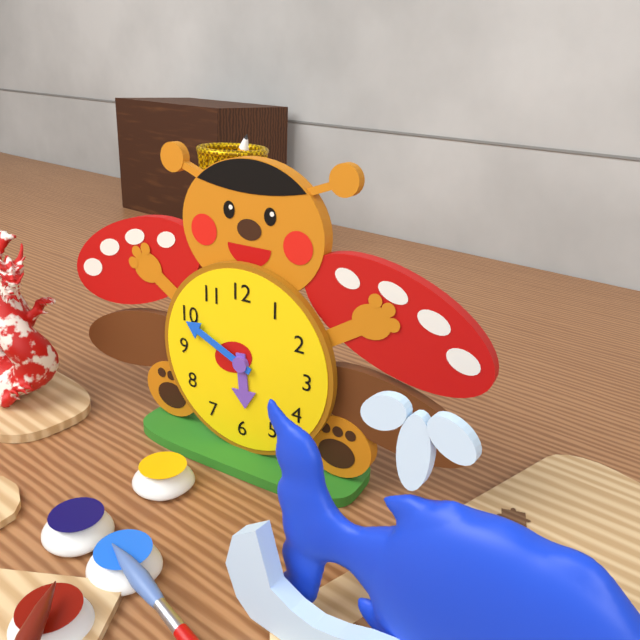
{"hour": 5, "minute": 49}
